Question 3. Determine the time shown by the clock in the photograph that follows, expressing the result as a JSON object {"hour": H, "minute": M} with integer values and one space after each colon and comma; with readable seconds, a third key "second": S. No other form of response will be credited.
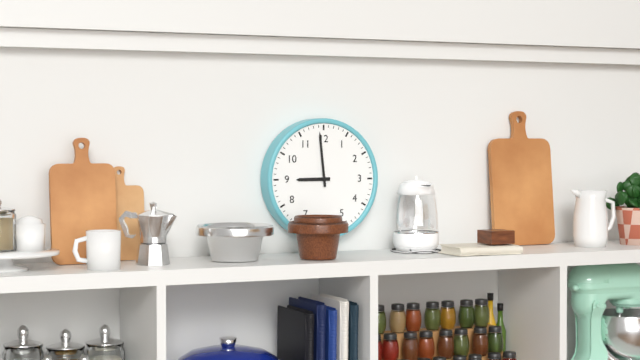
{"hour": 8, "minute": 59}
